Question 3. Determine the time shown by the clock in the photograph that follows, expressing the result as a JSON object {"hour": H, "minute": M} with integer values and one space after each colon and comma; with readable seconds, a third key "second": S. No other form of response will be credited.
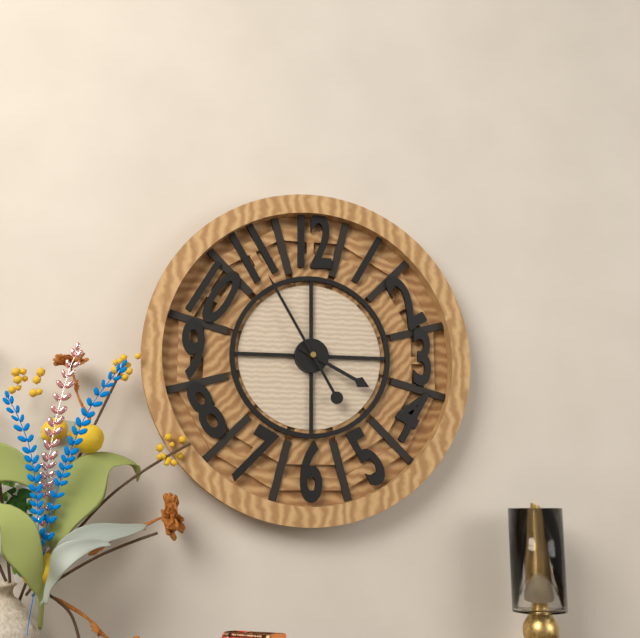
{"hour": 3, "minute": 55}
